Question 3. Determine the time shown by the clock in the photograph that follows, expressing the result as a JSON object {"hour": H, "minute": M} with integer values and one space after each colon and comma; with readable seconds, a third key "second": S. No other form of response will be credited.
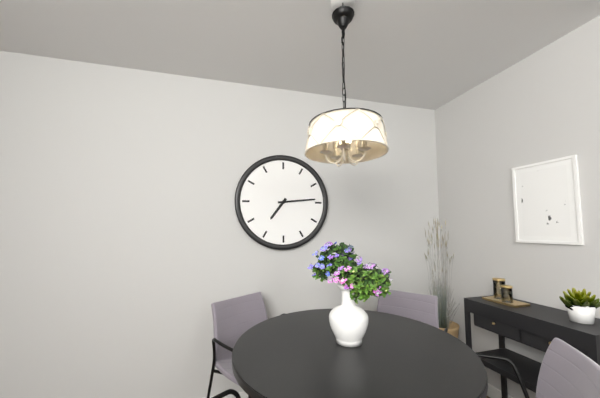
{"hour": 7, "minute": 14}
